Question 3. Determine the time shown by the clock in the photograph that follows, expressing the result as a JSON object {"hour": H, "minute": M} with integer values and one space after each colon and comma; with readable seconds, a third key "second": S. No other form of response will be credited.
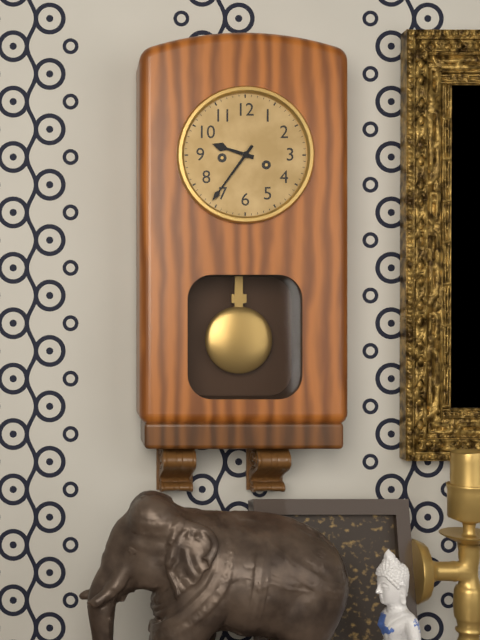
{"hour": 9, "minute": 36}
